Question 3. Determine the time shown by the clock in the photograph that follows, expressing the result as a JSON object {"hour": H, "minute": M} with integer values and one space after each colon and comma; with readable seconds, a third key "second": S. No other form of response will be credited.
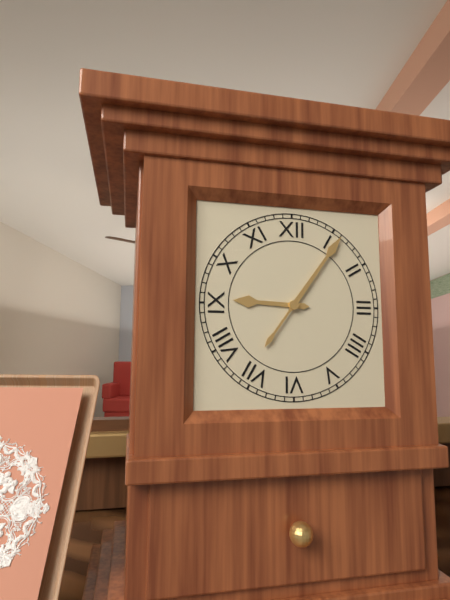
{"hour": 9, "minute": 6}
